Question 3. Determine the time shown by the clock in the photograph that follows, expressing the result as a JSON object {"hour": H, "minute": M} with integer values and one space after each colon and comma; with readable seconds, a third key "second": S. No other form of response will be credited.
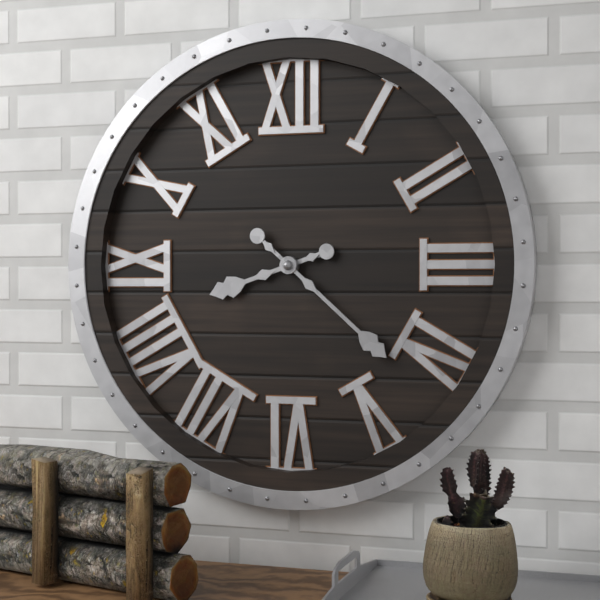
{"hour": 8, "minute": 22}
